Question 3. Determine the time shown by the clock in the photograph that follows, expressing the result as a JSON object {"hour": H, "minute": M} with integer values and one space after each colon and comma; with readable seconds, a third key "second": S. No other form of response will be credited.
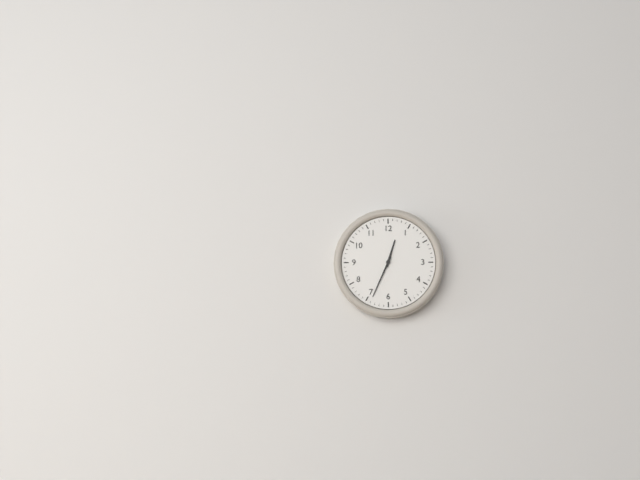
{"hour": 12, "minute": 34}
